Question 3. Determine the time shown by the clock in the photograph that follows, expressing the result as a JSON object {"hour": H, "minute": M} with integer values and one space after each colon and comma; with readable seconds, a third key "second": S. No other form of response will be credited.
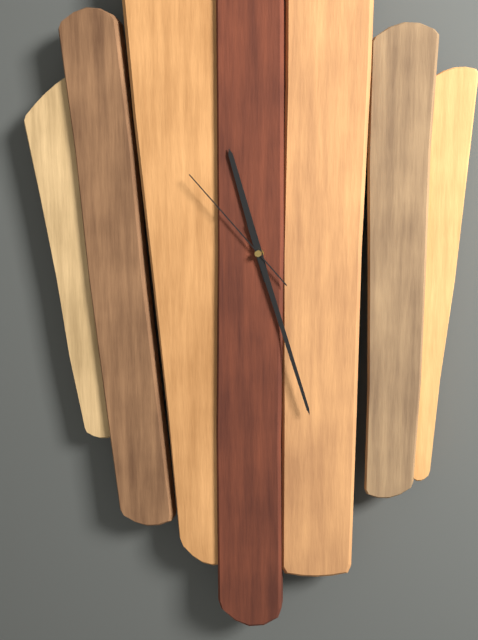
{"hour": 11, "minute": 27, "second": 53}
